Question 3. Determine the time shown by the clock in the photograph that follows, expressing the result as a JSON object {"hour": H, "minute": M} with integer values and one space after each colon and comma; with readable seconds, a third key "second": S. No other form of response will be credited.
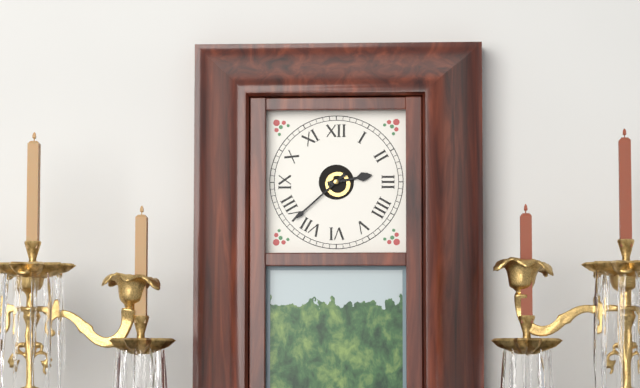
{"hour": 2, "minute": 38}
